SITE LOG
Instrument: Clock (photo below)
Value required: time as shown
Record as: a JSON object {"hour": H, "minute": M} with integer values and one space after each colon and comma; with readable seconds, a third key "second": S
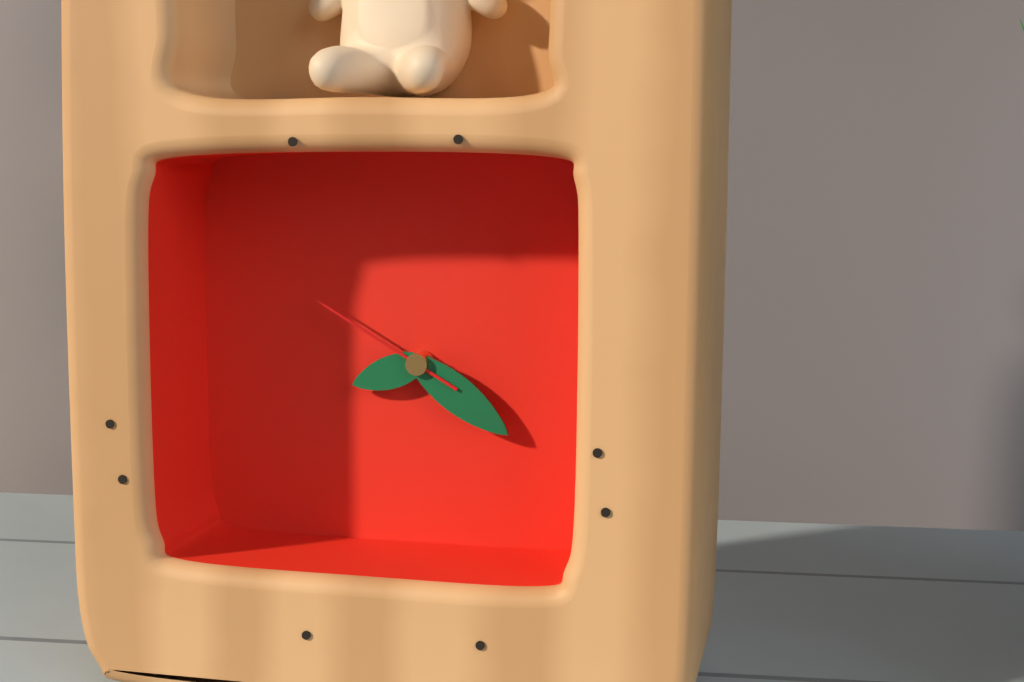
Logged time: {"hour": 8, "minute": 21, "second": 50}
